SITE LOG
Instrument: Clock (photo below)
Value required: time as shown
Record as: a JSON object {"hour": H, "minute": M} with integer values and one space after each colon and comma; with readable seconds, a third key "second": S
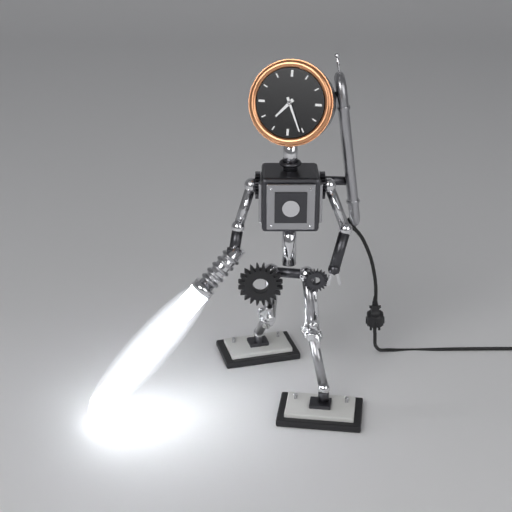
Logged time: {"hour": 7, "minute": 26}
